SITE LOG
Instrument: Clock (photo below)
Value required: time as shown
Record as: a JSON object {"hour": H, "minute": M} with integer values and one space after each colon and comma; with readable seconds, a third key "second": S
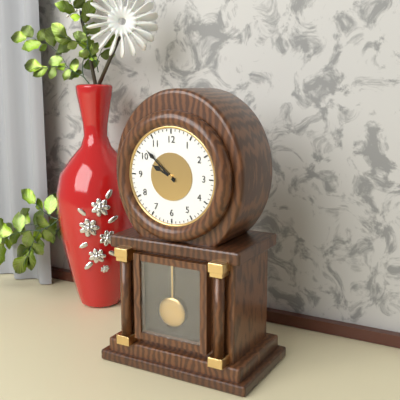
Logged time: {"hour": 9, "minute": 52}
